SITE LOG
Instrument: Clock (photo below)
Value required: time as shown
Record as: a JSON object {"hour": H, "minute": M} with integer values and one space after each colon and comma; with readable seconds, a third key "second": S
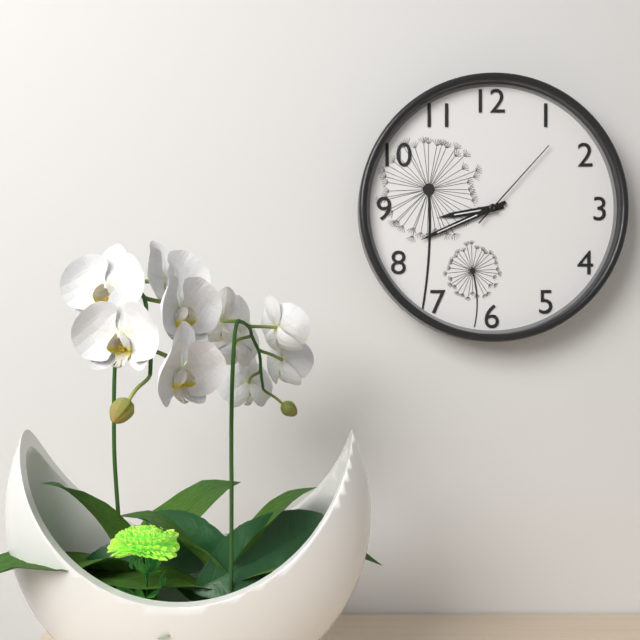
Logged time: {"hour": 8, "minute": 41, "second": 7}
